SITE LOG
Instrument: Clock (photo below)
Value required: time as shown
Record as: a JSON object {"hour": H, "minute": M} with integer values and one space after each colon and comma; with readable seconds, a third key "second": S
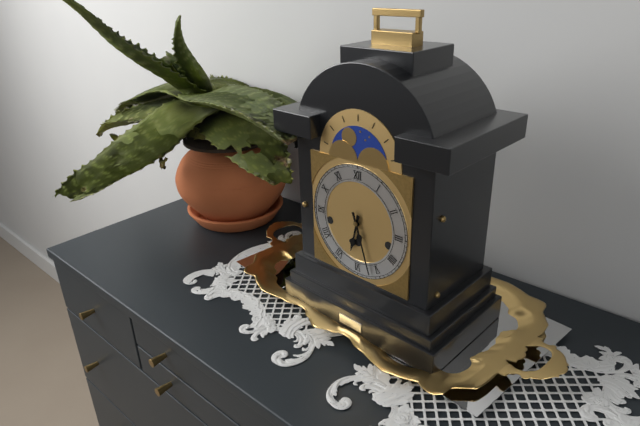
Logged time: {"hour": 6, "minute": 27}
